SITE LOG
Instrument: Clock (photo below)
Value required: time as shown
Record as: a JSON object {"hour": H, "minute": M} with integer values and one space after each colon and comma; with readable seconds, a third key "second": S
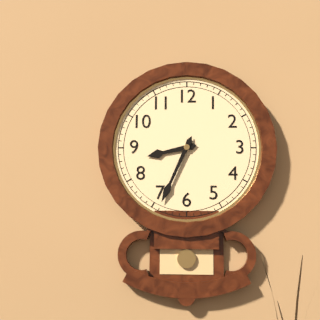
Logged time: {"hour": 8, "minute": 34}
